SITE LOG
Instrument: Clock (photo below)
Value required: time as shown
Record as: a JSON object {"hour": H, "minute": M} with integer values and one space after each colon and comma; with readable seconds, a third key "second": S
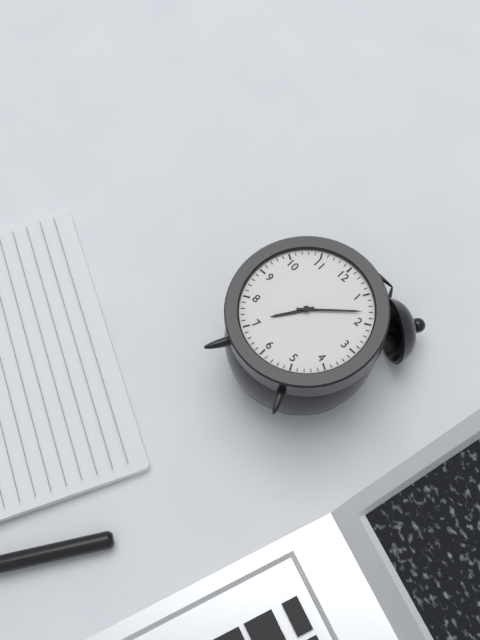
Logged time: {"hour": 7, "minute": 8}
